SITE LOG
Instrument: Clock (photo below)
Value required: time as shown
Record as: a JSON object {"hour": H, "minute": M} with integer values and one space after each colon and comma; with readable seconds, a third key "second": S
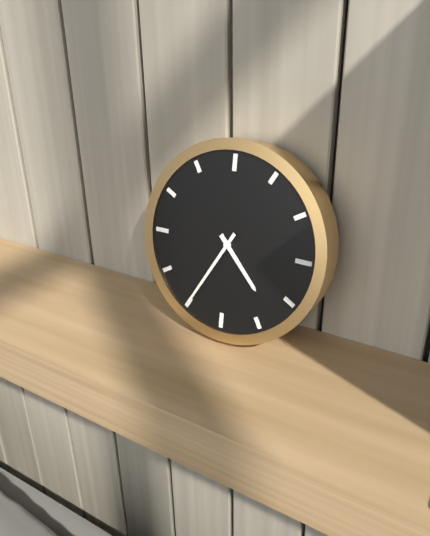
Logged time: {"hour": 4, "minute": 35}
